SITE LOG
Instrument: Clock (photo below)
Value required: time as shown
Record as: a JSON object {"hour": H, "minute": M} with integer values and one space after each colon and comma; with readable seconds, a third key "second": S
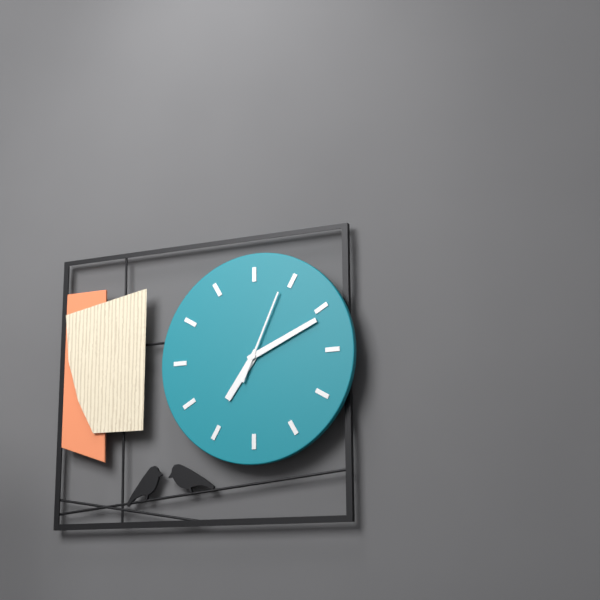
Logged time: {"hour": 7, "minute": 11, "second": 4}
